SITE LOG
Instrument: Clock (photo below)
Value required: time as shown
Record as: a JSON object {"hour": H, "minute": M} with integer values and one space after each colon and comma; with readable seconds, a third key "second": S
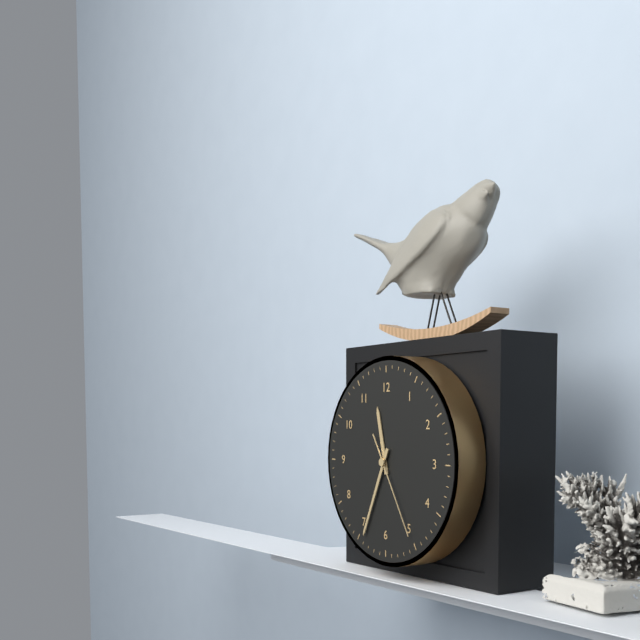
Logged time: {"hour": 11, "minute": 34, "second": 25}
